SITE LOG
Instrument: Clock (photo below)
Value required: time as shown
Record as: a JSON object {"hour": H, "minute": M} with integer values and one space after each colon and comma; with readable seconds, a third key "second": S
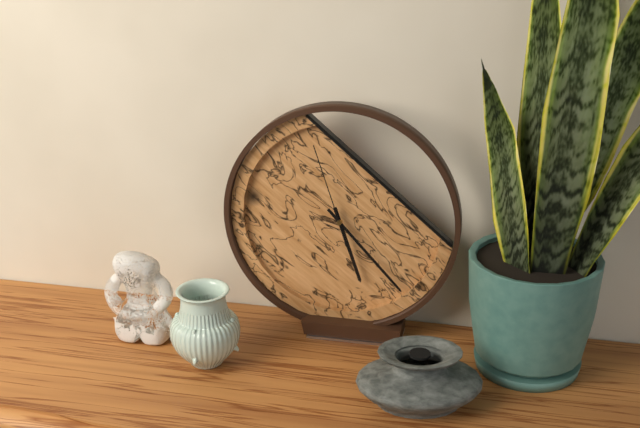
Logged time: {"hour": 5, "minute": 23, "second": 57}
